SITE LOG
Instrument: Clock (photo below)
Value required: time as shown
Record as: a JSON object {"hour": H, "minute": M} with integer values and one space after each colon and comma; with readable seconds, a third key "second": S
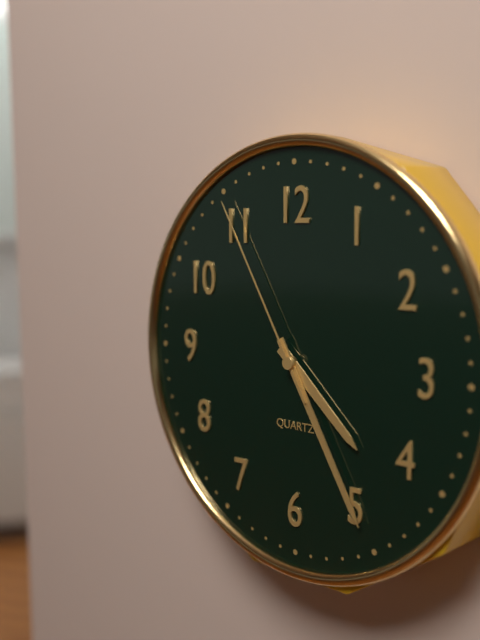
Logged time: {"hour": 4, "minute": 25, "second": 55}
